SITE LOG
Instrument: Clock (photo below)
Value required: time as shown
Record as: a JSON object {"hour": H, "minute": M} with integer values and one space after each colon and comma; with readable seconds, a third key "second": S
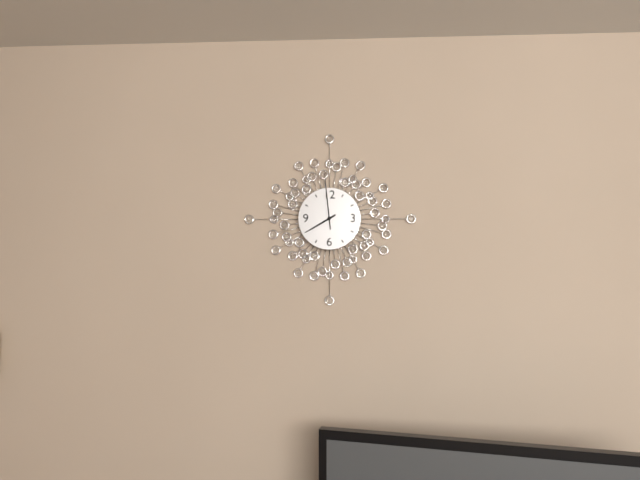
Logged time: {"hour": 7, "minute": 59}
